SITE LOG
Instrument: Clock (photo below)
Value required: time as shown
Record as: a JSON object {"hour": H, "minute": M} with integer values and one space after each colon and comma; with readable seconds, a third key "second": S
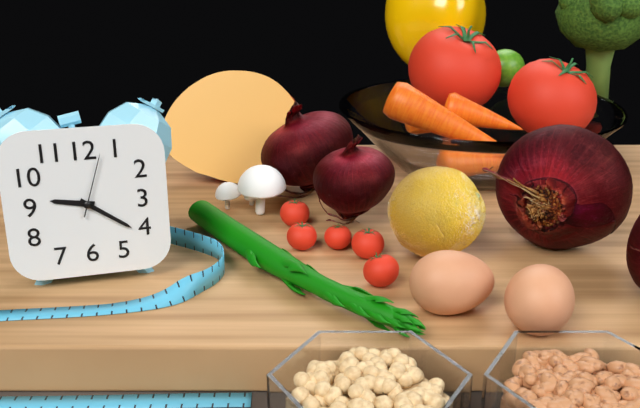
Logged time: {"hour": 9, "minute": 21, "second": 3}
